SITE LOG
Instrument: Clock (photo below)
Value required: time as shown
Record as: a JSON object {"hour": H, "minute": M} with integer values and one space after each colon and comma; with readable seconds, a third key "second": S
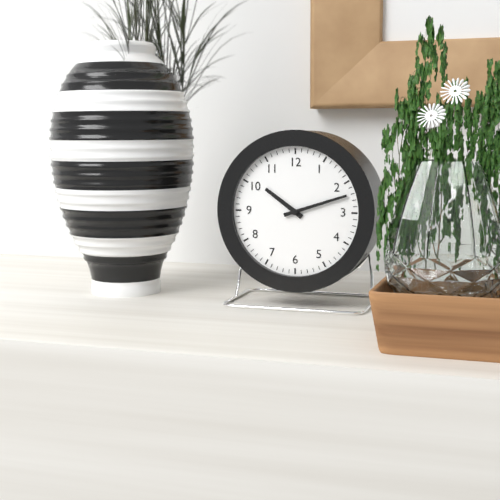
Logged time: {"hour": 10, "minute": 12}
